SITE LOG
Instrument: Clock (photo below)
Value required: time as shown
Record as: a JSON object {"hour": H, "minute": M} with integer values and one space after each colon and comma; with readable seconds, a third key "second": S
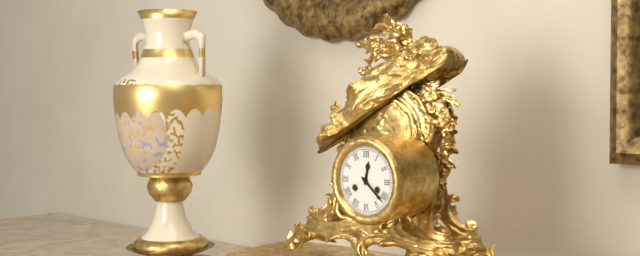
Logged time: {"hour": 12, "minute": 22}
